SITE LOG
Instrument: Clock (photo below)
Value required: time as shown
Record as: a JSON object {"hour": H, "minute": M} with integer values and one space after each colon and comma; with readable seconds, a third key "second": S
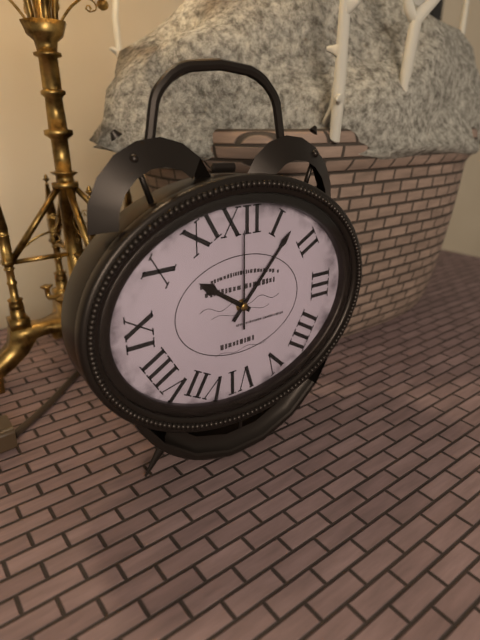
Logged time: {"hour": 10, "minute": 7, "second": 0}
